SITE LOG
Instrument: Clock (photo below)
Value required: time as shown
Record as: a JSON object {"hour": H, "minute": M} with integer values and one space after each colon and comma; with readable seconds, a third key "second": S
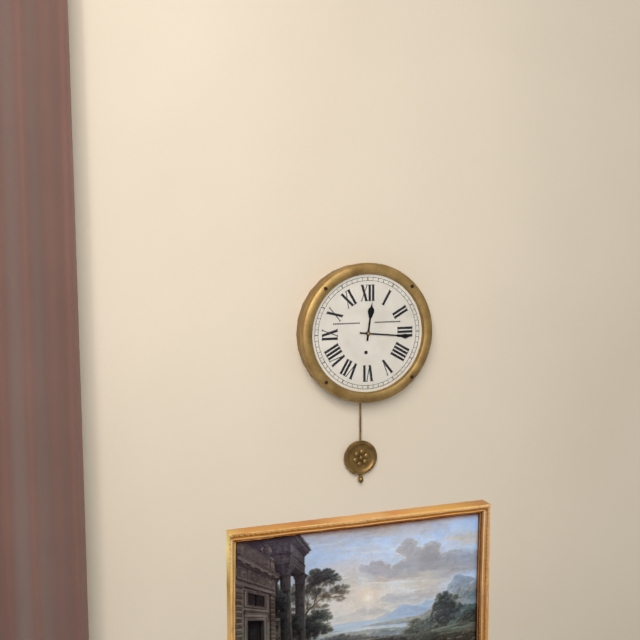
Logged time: {"hour": 12, "minute": 16}
